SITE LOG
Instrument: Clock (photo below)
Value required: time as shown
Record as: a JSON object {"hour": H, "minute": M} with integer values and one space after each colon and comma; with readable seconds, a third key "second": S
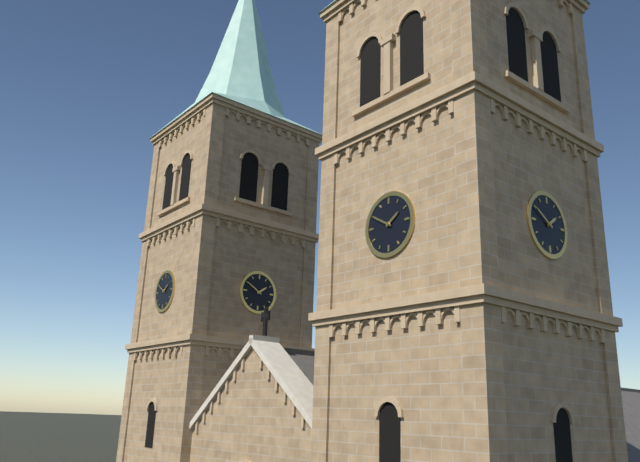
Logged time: {"hour": 1, "minute": 50}
